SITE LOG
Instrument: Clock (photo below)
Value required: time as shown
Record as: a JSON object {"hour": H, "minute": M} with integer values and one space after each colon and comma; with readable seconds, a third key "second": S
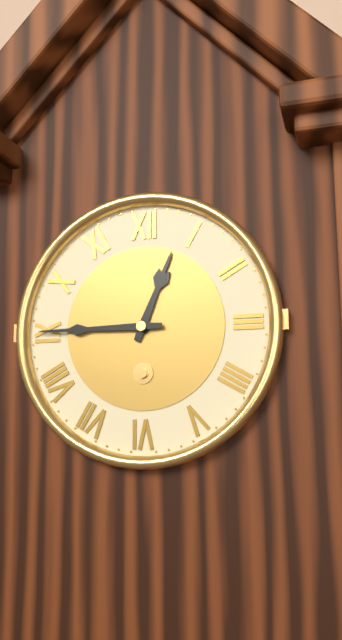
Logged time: {"hour": 12, "minute": 45}
